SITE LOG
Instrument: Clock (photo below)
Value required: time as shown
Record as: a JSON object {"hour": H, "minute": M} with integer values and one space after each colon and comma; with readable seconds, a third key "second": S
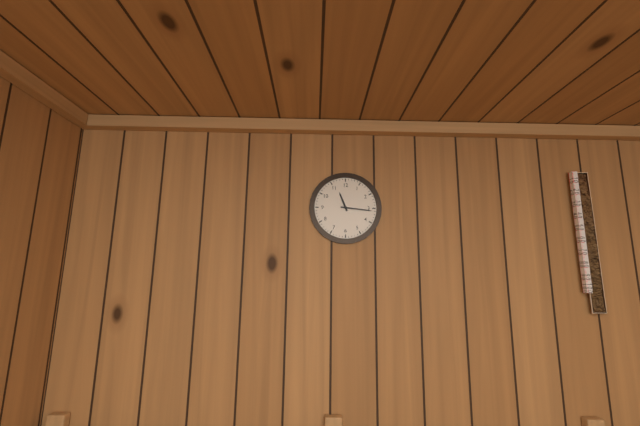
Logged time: {"hour": 11, "minute": 16}
